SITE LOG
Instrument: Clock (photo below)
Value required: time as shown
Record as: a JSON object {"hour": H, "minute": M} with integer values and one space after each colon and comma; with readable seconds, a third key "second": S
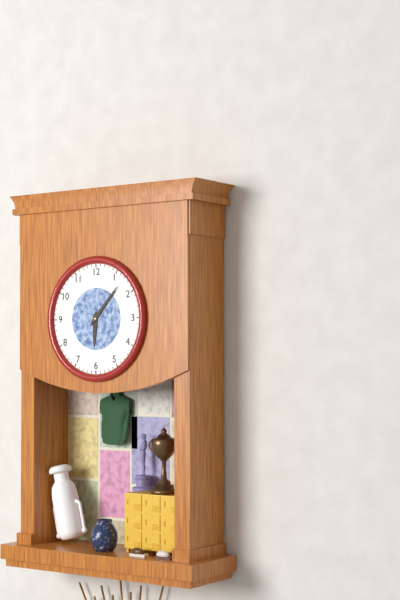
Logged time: {"hour": 6, "minute": 7}
